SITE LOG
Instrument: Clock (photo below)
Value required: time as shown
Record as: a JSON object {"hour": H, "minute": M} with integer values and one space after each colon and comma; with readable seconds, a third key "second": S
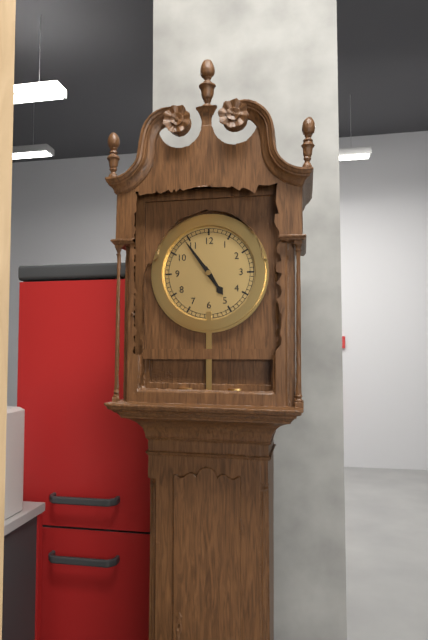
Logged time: {"hour": 4, "minute": 54}
